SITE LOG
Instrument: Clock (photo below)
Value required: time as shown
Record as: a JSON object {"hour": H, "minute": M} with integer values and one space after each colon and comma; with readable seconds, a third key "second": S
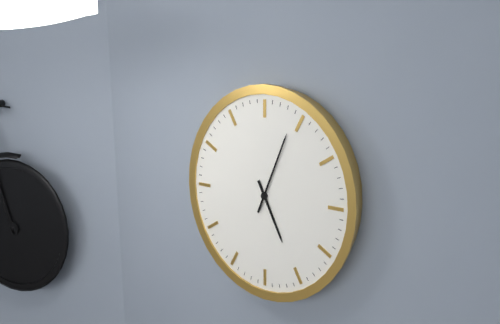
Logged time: {"hour": 5, "minute": 4}
